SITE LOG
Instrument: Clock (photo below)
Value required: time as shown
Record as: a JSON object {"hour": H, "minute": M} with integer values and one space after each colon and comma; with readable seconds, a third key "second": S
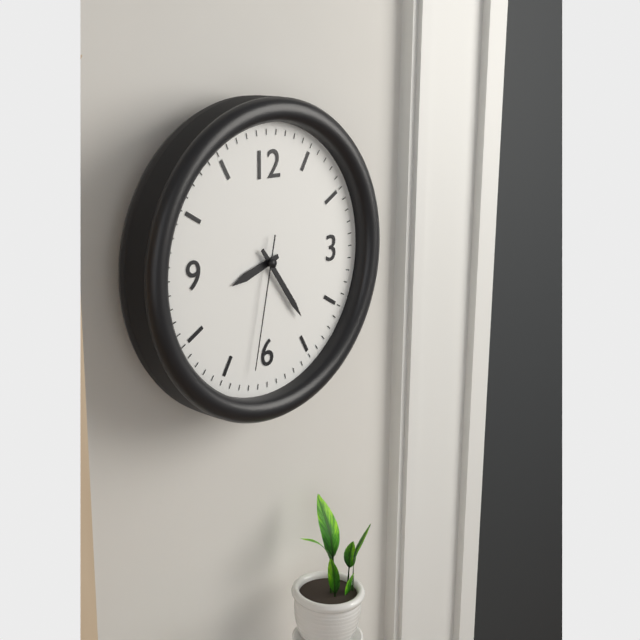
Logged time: {"hour": 8, "minute": 24, "second": 32}
